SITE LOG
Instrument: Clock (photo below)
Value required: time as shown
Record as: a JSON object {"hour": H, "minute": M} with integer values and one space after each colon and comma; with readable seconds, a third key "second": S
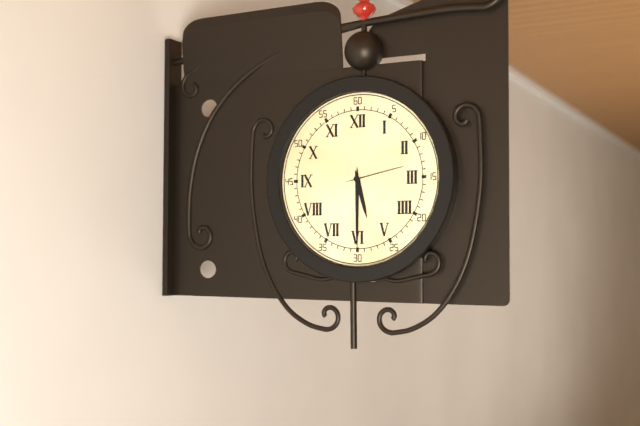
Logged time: {"hour": 5, "minute": 30, "second": 13}
